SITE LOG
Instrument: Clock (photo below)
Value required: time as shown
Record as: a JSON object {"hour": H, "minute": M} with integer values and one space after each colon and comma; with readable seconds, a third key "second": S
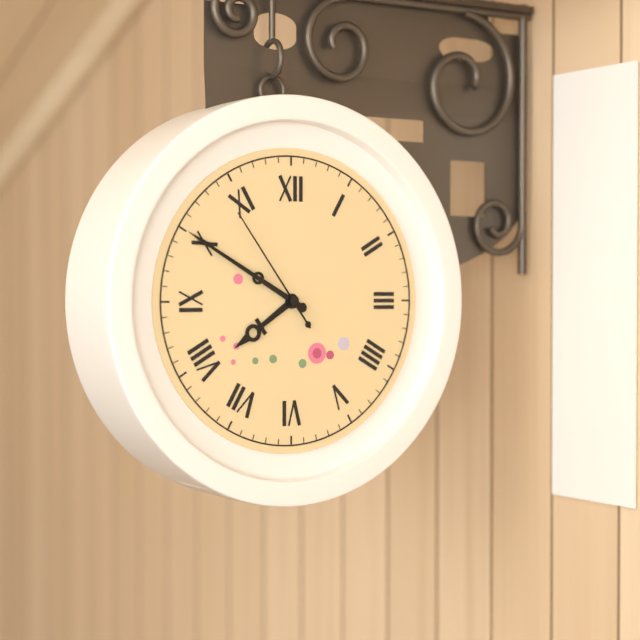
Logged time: {"hour": 7, "minute": 50, "second": 54}
